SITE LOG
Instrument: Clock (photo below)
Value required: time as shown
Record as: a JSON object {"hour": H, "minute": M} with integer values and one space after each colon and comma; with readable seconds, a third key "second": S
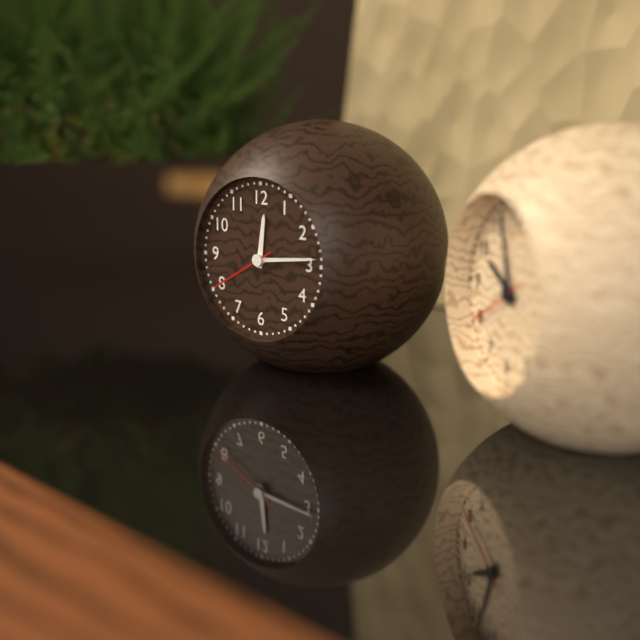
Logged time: {"hour": 12, "minute": 14, "second": 40}
